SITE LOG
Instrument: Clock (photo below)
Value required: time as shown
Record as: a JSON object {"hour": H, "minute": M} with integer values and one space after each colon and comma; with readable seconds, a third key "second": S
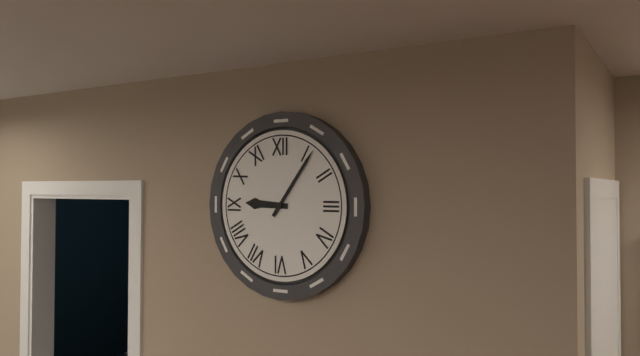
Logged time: {"hour": 9, "minute": 6}
